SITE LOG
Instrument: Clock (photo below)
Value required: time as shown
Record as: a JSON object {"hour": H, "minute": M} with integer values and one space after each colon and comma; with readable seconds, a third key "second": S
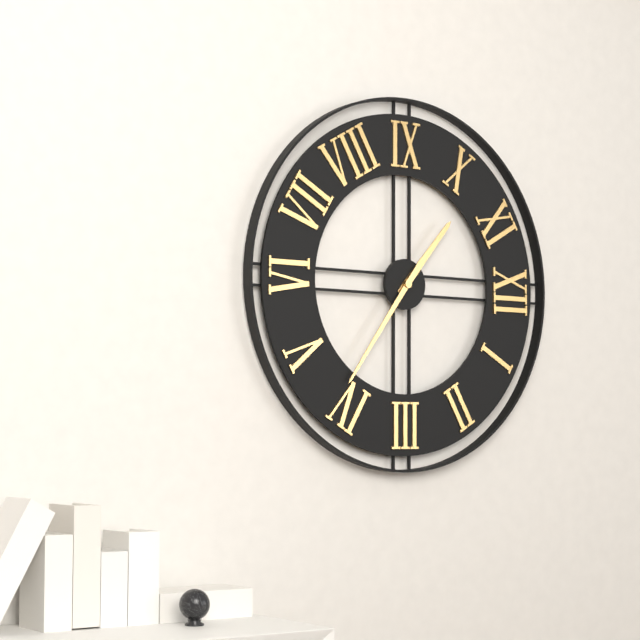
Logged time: {"hour": 10, "minute": 21}
